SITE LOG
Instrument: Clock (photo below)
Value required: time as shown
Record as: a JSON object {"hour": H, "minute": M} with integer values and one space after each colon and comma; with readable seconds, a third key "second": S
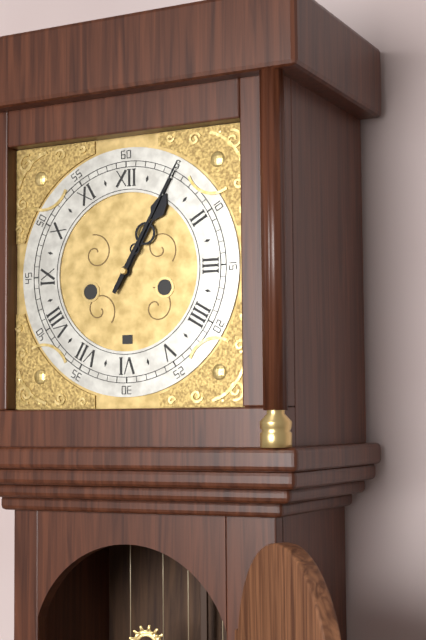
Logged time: {"hour": 1, "minute": 5}
